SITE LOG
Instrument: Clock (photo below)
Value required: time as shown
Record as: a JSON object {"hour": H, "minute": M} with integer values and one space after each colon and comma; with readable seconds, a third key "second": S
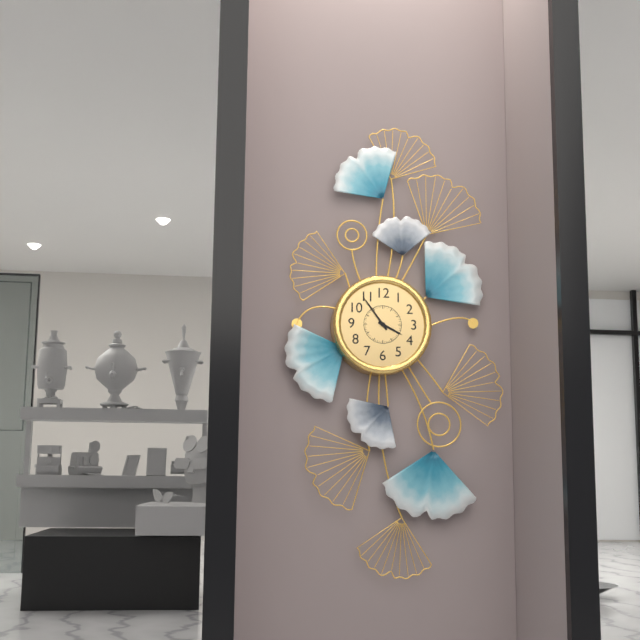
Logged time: {"hour": 3, "minute": 54}
